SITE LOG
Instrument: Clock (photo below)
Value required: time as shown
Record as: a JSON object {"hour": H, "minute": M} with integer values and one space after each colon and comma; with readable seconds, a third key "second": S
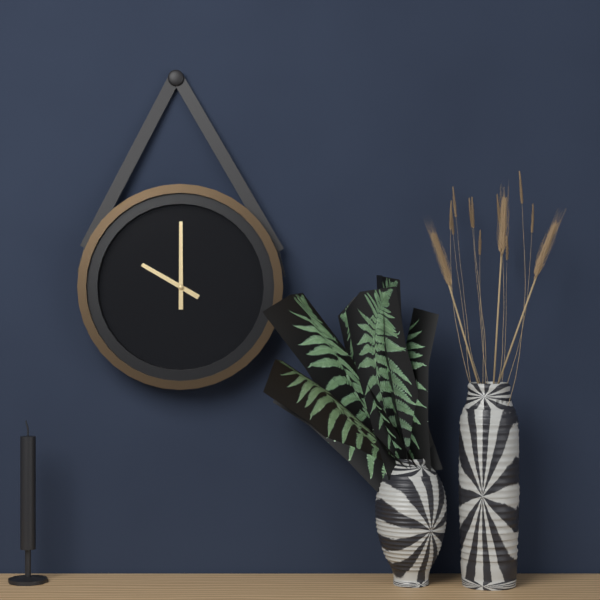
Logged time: {"hour": 10, "minute": 0}
